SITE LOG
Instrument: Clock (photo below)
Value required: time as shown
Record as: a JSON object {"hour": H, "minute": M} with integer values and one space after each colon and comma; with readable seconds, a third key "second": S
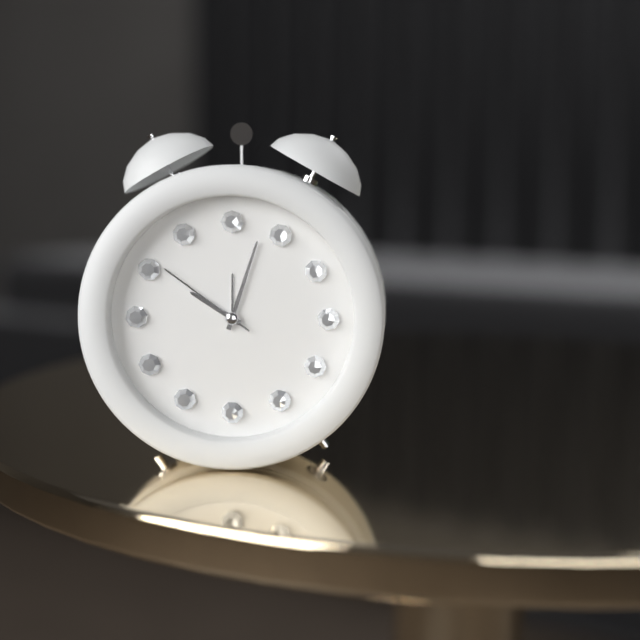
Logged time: {"hour": 10, "minute": 3, "second": 51}
